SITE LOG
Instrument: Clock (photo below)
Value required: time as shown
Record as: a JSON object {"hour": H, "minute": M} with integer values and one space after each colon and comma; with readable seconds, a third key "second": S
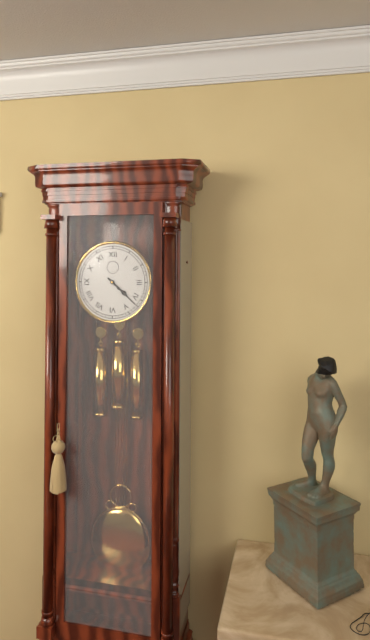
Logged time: {"hour": 4, "minute": 22}
